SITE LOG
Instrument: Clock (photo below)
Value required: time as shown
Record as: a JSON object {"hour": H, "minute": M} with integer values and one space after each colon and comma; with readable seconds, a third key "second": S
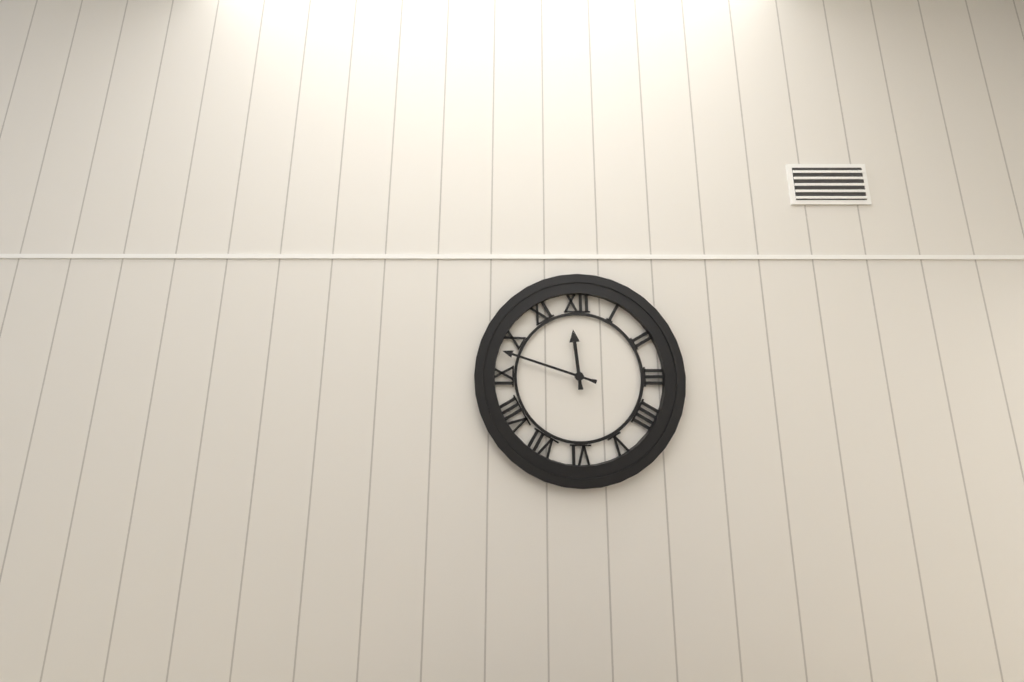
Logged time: {"hour": 11, "minute": 48}
